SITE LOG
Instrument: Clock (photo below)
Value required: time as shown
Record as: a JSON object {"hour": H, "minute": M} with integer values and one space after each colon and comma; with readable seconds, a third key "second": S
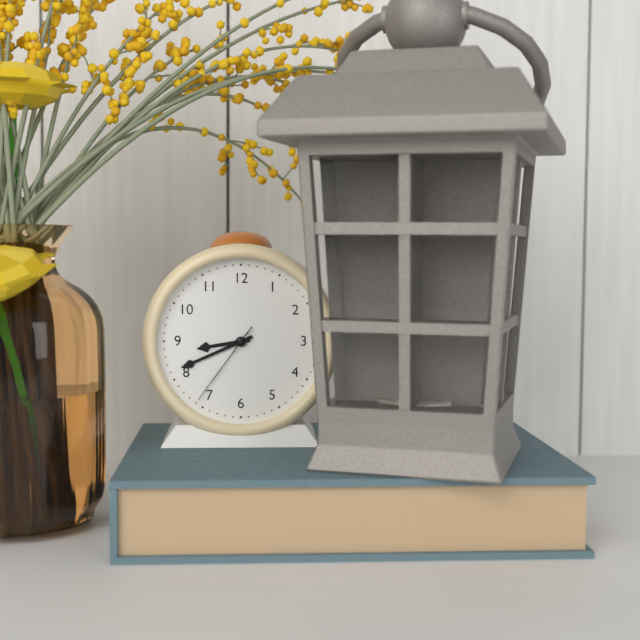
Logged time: {"hour": 8, "minute": 41, "second": 36}
